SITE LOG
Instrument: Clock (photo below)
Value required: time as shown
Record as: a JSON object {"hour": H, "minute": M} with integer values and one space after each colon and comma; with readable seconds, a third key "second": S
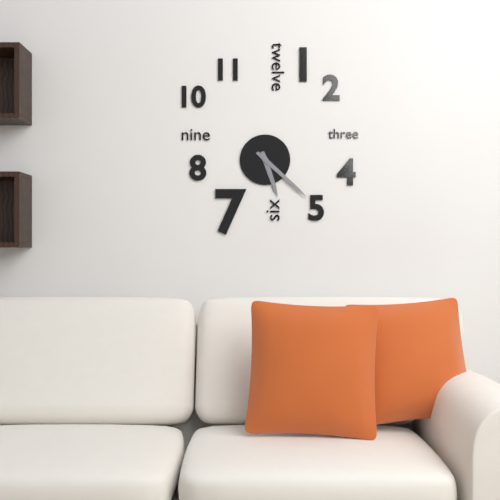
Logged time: {"hour": 5, "minute": 22}
